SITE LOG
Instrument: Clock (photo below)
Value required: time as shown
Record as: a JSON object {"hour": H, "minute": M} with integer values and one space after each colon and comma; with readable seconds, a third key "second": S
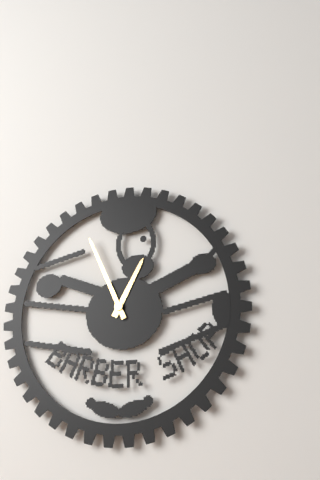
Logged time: {"hour": 12, "minute": 56}
